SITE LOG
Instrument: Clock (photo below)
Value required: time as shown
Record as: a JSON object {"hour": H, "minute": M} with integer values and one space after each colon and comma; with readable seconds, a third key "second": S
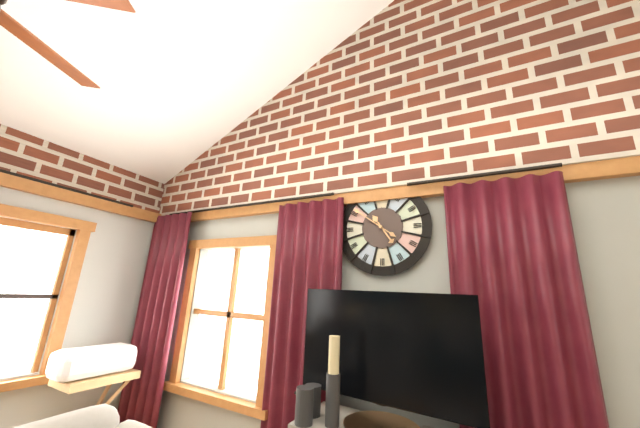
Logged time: {"hour": 4, "minute": 51}
